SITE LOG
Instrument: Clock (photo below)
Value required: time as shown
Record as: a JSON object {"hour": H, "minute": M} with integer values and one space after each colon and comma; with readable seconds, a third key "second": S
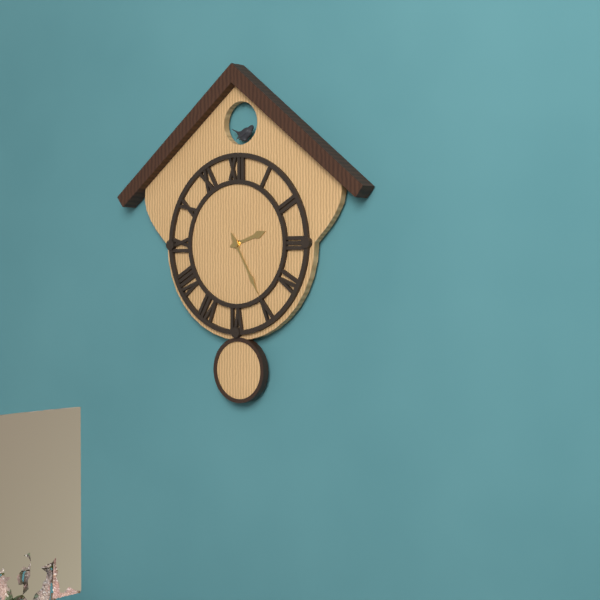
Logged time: {"hour": 2, "minute": 25}
